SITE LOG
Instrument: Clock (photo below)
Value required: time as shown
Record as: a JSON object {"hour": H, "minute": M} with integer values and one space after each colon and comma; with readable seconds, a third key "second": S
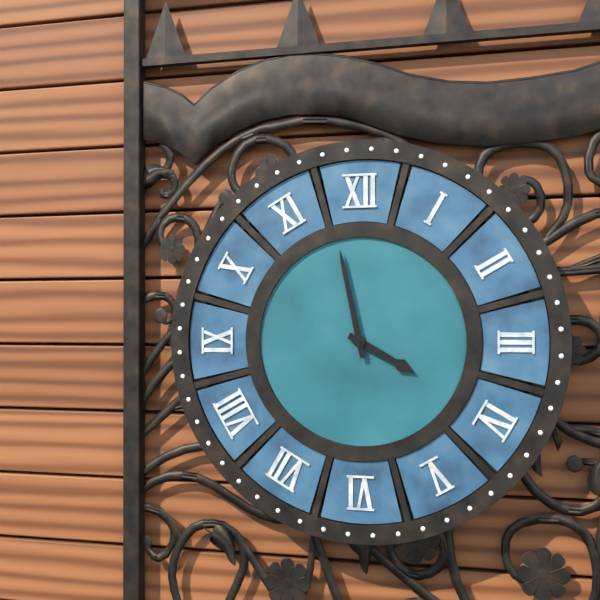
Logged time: {"hour": 3, "minute": 58}
